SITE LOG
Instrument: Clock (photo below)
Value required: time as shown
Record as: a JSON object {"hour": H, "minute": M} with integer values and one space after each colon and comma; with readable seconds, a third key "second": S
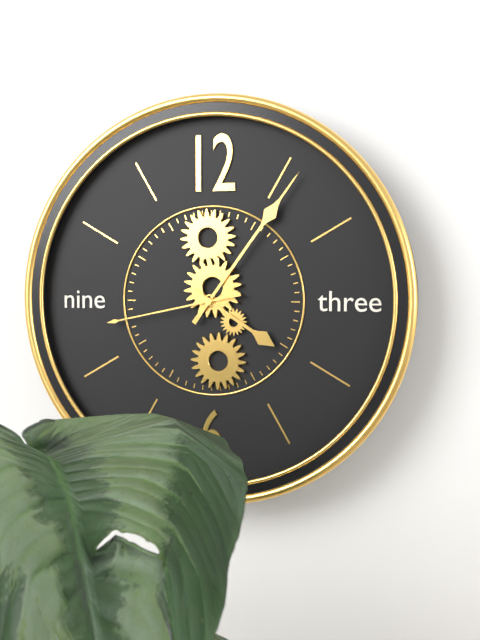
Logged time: {"hour": 4, "minute": 6, "second": 43}
